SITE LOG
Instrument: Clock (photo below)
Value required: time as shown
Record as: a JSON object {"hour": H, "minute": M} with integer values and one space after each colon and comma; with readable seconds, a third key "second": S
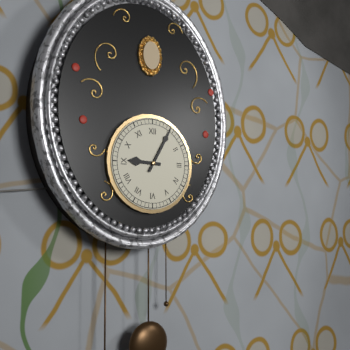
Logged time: {"hour": 9, "minute": 5}
